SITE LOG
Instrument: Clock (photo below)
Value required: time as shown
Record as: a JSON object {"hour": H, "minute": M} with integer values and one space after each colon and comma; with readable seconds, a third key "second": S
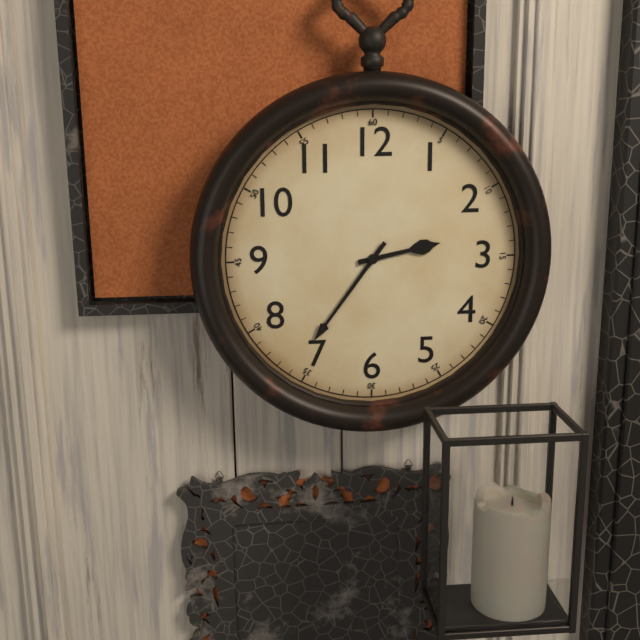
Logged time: {"hour": 2, "minute": 36}
